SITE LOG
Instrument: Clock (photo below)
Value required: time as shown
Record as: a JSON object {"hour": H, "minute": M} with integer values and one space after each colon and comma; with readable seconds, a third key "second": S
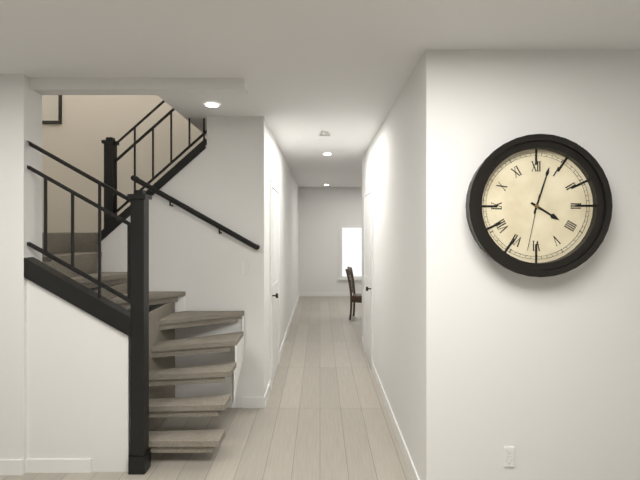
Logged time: {"hour": 4, "minute": 3, "second": 32}
